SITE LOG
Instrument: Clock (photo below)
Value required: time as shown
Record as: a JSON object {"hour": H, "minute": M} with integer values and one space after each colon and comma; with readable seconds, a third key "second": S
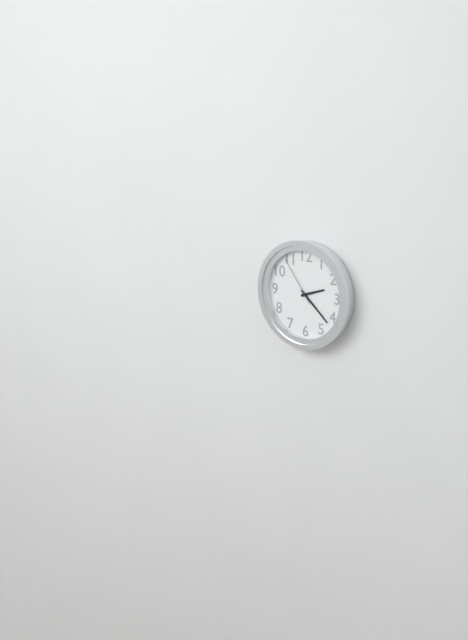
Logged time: {"hour": 2, "minute": 22, "second": 54}
